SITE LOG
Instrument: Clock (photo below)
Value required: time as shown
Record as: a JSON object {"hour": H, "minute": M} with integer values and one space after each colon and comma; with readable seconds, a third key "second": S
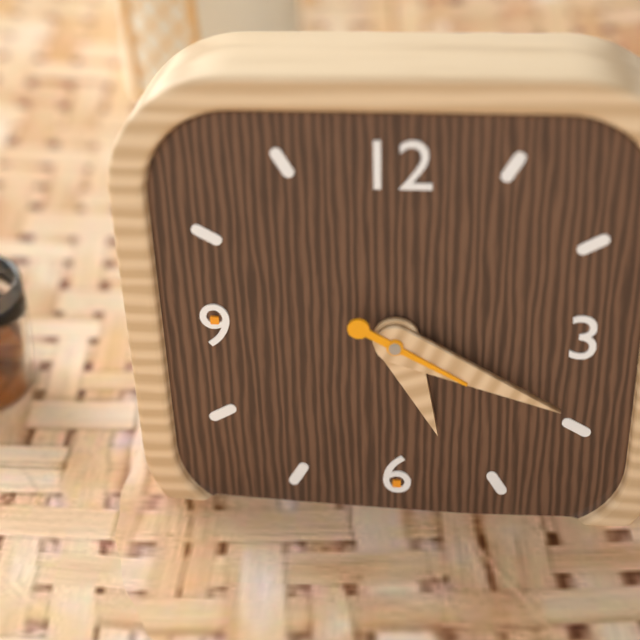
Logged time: {"hour": 5, "minute": 19, "second": 20}
